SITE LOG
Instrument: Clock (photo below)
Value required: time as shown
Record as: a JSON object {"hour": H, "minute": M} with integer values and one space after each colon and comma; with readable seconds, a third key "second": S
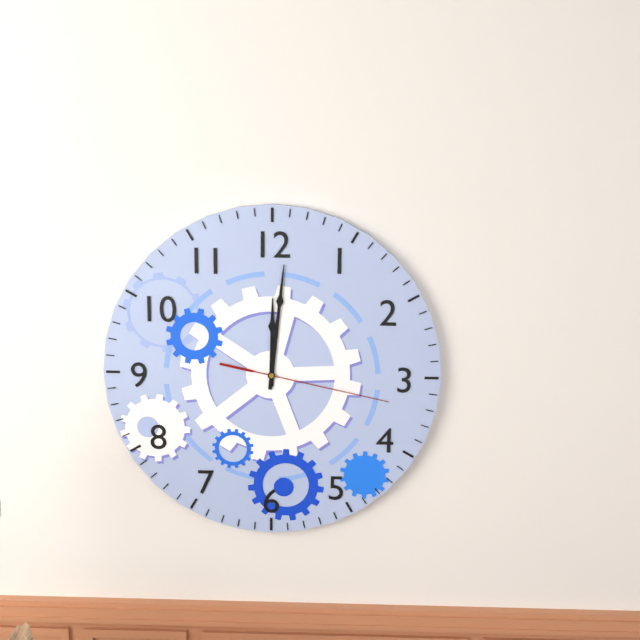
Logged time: {"hour": 12, "minute": 1, "second": 17}
